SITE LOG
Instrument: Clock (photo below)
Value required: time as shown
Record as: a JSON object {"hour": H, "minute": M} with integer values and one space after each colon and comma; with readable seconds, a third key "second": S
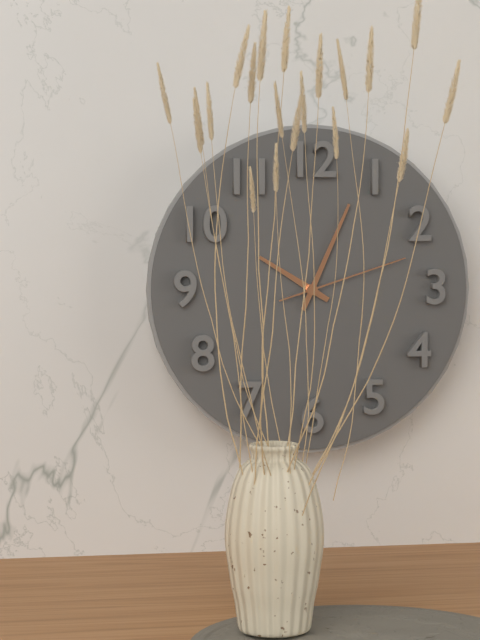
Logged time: {"hour": 10, "minute": 4, "second": 12}
